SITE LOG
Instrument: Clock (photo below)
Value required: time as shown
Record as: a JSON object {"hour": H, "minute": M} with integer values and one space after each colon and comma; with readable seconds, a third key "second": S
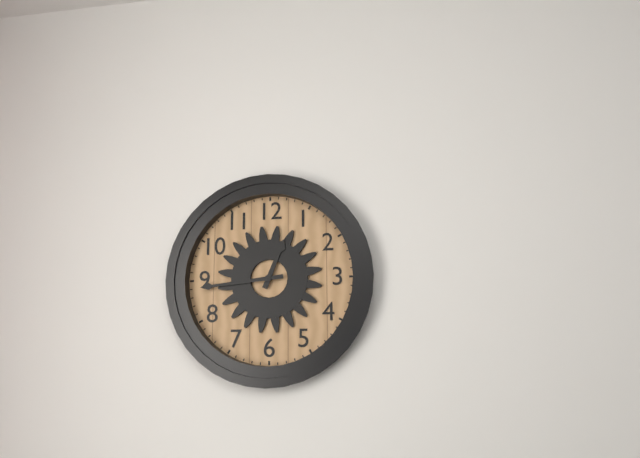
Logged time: {"hour": 12, "minute": 44}
